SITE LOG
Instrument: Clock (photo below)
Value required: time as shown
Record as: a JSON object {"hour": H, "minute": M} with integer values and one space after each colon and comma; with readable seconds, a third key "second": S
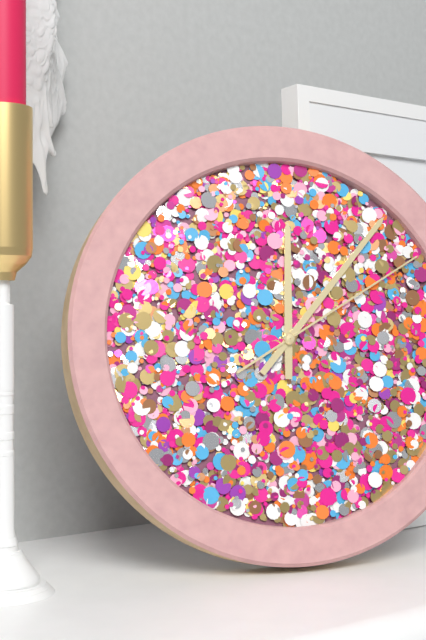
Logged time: {"hour": 12, "minute": 7, "second": 10}
